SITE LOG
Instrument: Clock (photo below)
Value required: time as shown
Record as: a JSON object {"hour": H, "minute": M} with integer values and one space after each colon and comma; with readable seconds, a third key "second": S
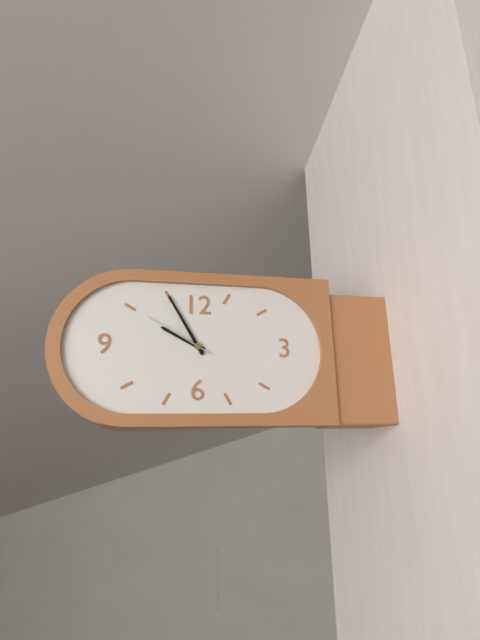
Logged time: {"hour": 9, "minute": 55, "second": 50}
